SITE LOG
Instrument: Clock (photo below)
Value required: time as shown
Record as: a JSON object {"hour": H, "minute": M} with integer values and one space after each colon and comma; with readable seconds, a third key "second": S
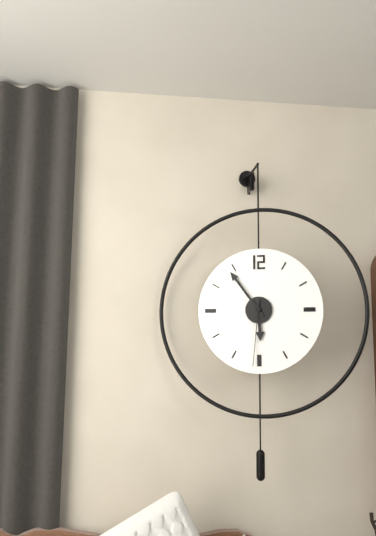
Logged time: {"hour": 5, "minute": 54, "second": 31}
